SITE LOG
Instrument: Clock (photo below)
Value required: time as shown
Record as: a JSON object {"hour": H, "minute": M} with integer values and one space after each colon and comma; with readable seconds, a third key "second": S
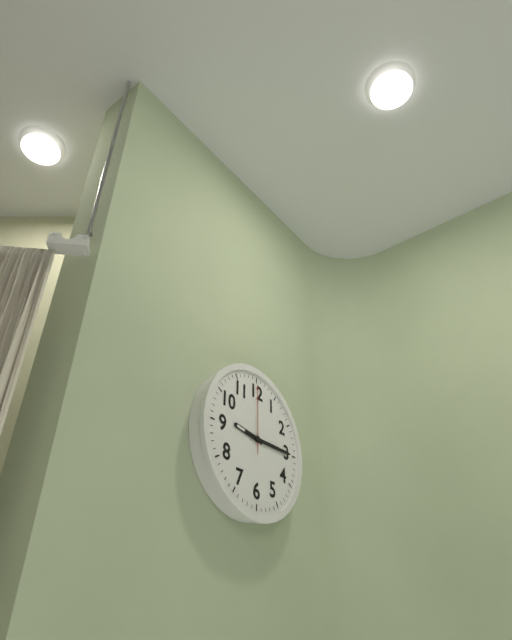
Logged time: {"hour": 9, "minute": 15, "second": 0}
